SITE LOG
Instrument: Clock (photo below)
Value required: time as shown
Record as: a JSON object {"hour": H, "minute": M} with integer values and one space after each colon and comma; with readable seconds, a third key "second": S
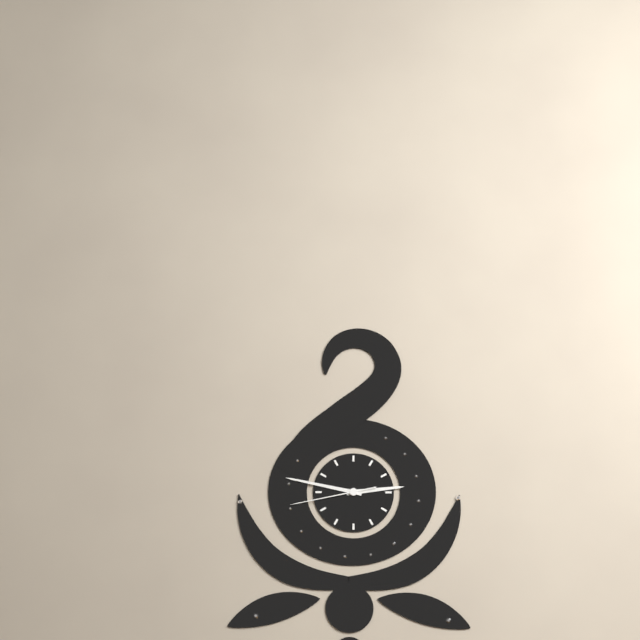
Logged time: {"hour": 2, "minute": 47, "second": 43}
